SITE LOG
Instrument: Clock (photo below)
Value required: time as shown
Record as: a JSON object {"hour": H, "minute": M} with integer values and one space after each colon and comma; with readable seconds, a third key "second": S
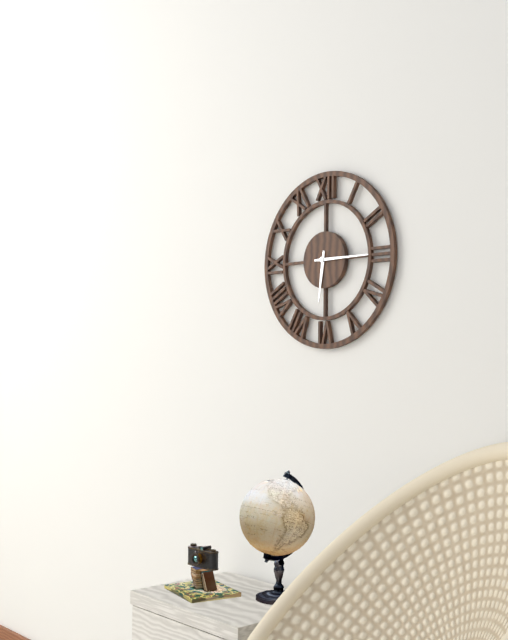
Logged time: {"hour": 6, "minute": 15}
